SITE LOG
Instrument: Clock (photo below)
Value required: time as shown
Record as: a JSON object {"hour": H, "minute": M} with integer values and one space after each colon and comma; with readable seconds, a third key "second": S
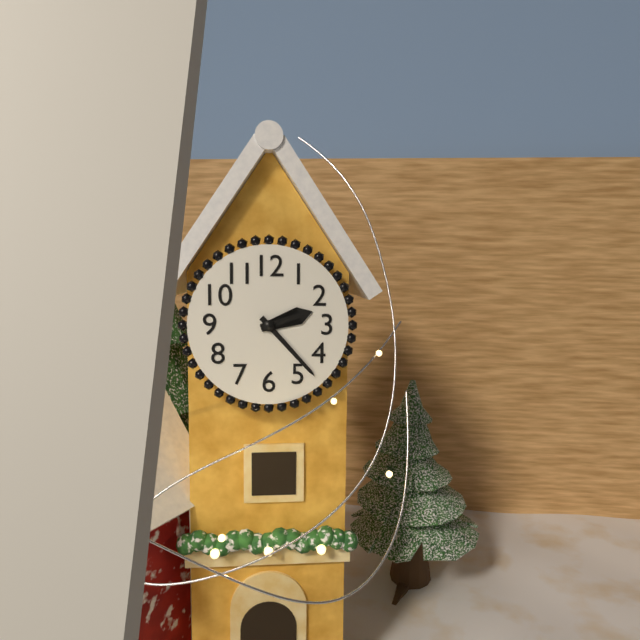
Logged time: {"hour": 2, "minute": 23}
